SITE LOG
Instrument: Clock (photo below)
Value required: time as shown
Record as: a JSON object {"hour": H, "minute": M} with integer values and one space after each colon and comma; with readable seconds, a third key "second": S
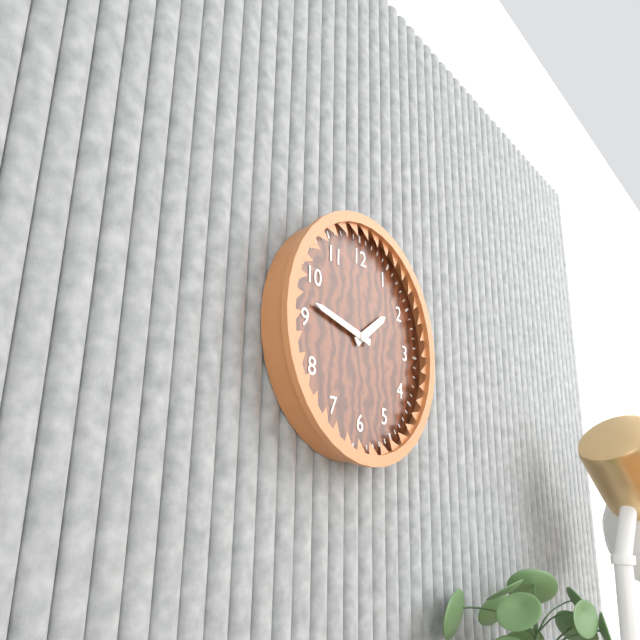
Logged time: {"hour": 1, "minute": 47}
